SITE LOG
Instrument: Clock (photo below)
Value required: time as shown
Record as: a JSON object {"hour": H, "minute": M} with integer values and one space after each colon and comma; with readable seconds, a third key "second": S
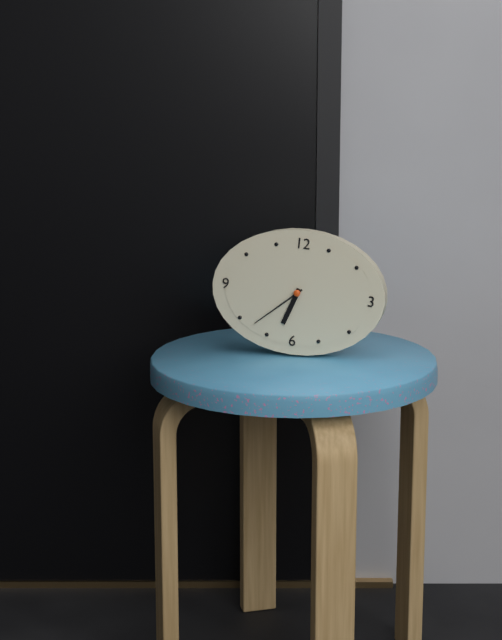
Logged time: {"hour": 6, "minute": 38}
